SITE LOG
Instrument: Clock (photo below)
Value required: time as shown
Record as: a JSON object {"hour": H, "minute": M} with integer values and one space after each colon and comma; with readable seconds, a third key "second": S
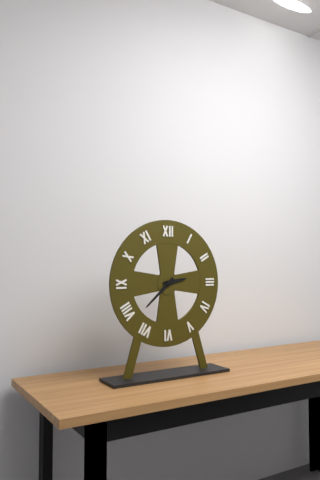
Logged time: {"hour": 2, "minute": 38}
